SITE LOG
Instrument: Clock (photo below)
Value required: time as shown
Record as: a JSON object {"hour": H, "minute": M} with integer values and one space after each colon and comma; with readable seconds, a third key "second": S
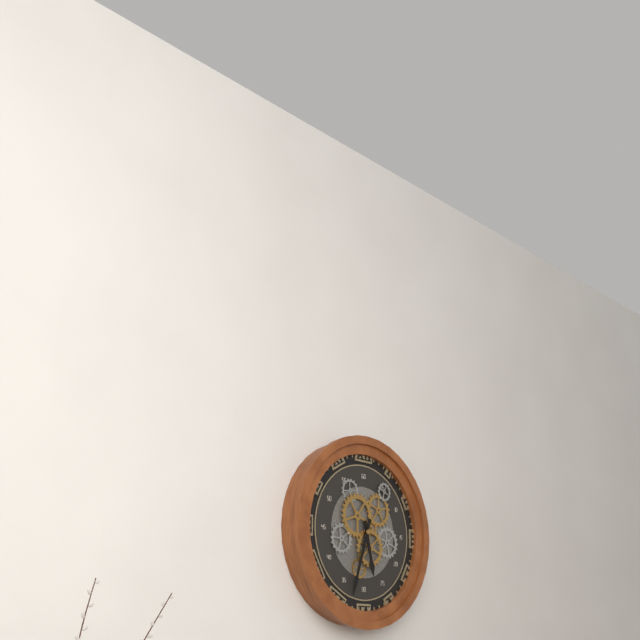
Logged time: {"hour": 5, "minute": 33}
